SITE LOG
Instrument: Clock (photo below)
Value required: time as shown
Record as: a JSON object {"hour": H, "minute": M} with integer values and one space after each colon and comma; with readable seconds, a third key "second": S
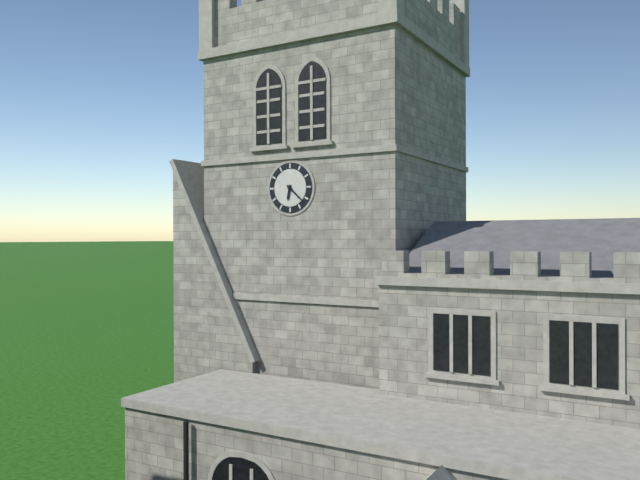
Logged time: {"hour": 6, "minute": 22}
